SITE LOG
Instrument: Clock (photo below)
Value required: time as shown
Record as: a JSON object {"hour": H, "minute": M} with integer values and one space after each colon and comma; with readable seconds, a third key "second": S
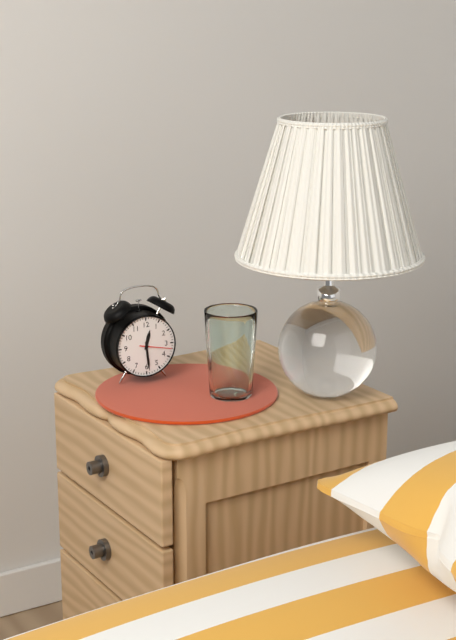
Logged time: {"hour": 12, "minute": 29}
